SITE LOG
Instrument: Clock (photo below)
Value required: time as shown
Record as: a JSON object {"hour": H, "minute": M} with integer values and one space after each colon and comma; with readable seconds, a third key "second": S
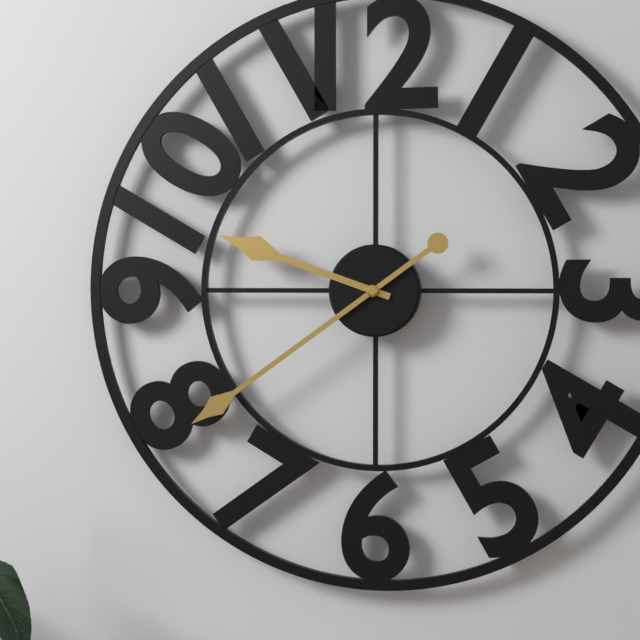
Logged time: {"hour": 9, "minute": 39}
